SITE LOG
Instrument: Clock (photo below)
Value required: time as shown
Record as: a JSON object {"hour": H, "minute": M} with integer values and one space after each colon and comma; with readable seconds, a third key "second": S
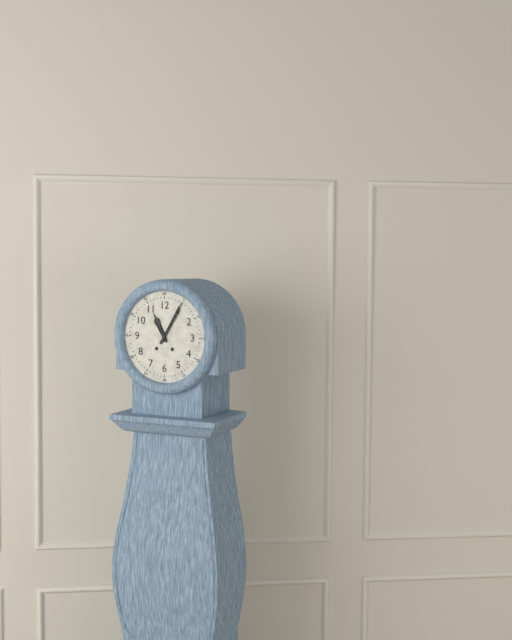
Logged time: {"hour": 11, "minute": 5}
